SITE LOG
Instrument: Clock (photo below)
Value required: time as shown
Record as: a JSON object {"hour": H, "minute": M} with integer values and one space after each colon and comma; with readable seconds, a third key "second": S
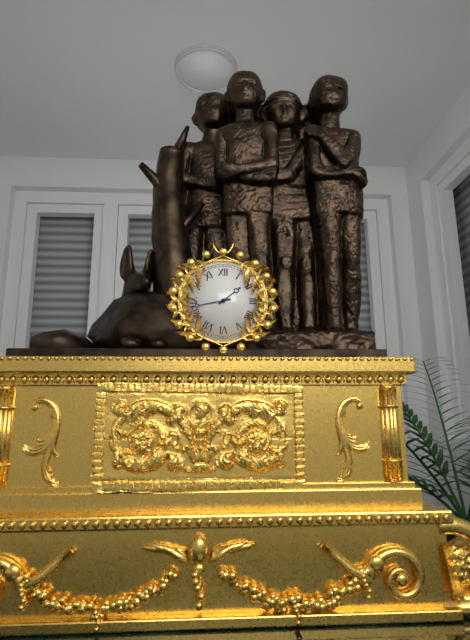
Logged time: {"hour": 1, "minute": 43}
